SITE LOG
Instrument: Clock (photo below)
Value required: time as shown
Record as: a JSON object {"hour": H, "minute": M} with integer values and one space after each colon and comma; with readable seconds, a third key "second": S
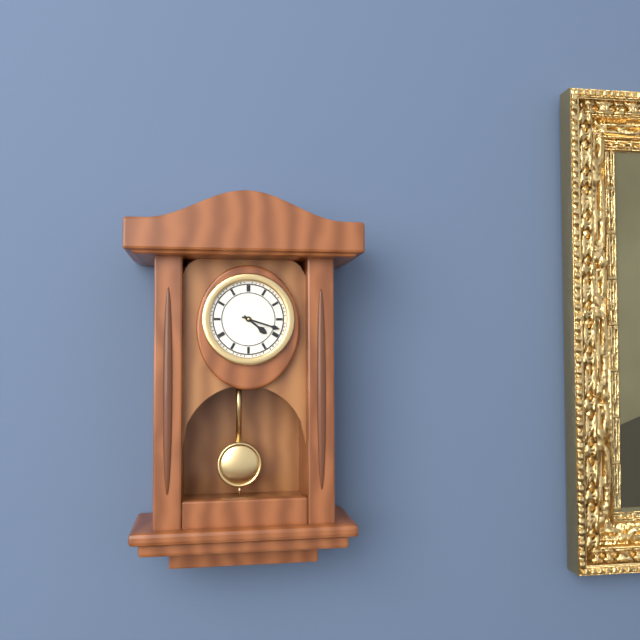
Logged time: {"hour": 4, "minute": 18}
